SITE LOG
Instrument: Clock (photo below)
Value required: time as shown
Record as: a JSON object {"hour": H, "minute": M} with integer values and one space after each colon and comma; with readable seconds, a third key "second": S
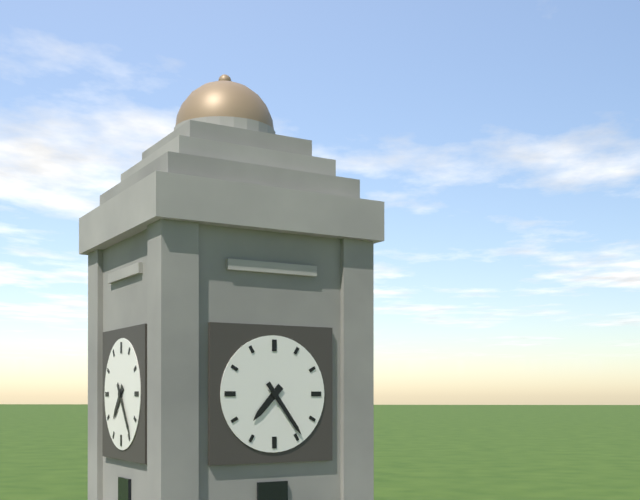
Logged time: {"hour": 7, "minute": 24}
